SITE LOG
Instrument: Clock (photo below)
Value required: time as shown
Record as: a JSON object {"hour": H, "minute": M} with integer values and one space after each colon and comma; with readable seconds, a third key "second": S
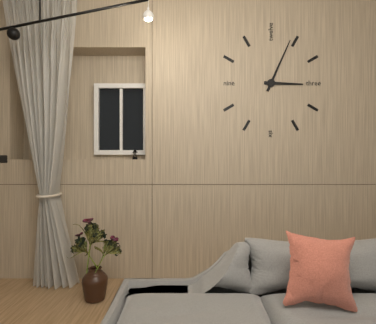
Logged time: {"hour": 3, "minute": 4}
